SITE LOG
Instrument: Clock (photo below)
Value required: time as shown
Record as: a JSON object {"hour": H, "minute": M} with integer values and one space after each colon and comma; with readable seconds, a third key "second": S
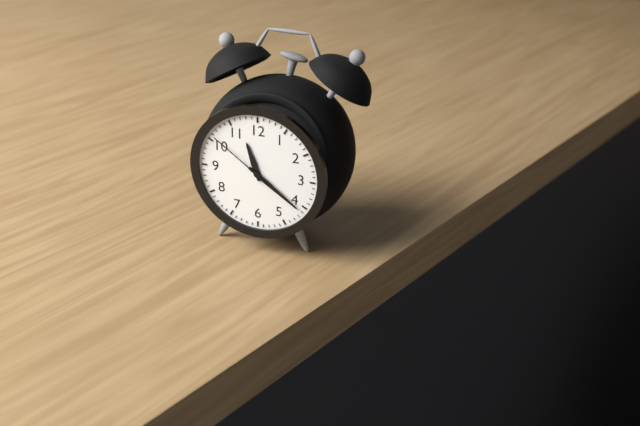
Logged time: {"hour": 11, "minute": 21, "second": 51}
